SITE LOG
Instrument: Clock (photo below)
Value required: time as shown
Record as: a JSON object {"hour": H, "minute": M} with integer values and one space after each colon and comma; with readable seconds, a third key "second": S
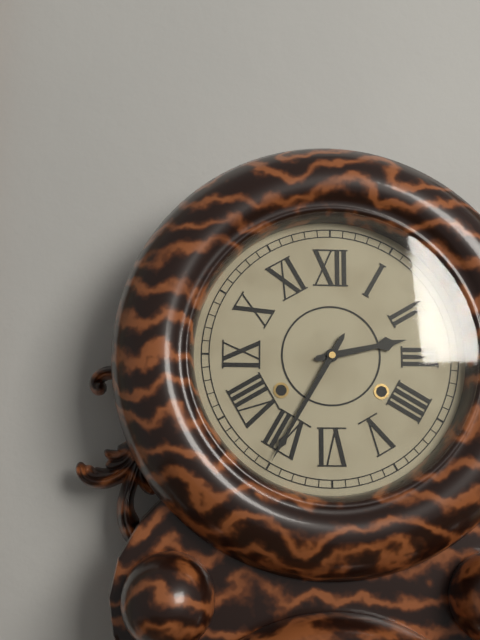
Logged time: {"hour": 2, "minute": 35}
